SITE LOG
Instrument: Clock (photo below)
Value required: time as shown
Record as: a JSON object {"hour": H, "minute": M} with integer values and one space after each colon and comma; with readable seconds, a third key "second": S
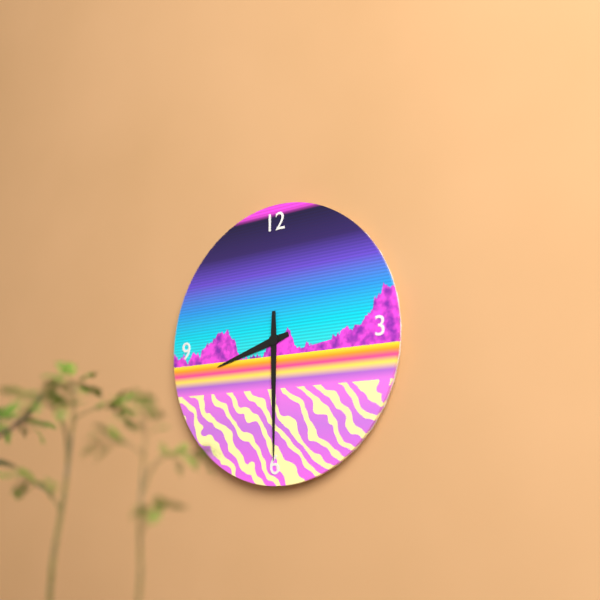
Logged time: {"hour": 8, "minute": 30}
